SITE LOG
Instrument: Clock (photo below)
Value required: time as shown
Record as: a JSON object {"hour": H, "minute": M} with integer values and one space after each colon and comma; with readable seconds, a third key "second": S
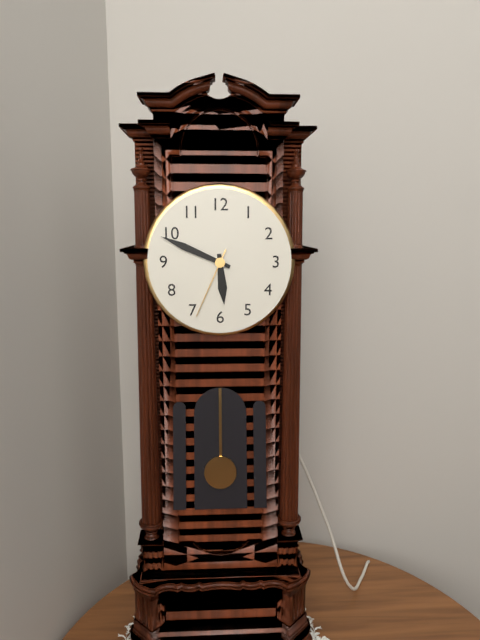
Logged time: {"hour": 5, "minute": 49, "second": 34}
